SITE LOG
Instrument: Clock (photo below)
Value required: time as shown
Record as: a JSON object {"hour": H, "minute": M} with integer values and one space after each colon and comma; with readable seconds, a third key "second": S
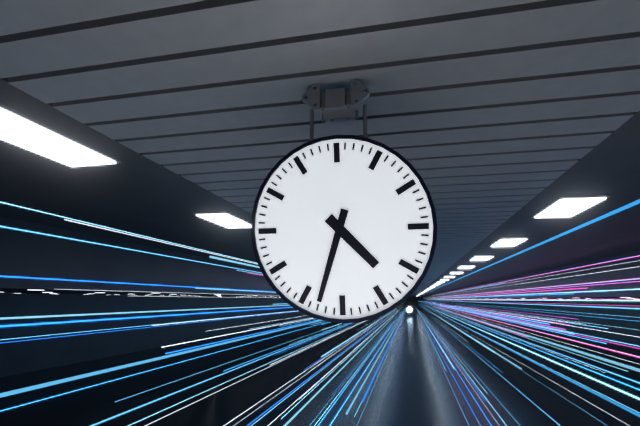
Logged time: {"hour": 4, "minute": 33}
